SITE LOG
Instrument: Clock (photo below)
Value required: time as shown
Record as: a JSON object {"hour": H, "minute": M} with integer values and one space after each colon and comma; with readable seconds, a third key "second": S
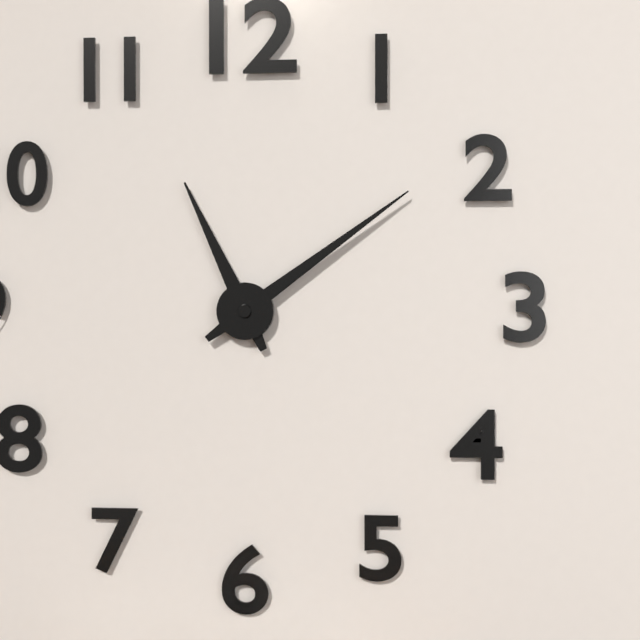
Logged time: {"hour": 11, "minute": 9}
